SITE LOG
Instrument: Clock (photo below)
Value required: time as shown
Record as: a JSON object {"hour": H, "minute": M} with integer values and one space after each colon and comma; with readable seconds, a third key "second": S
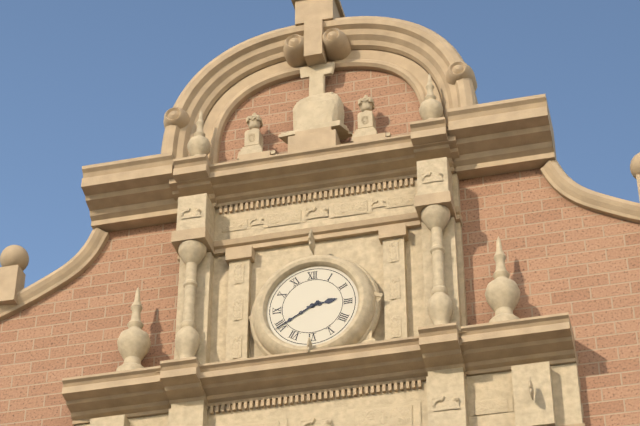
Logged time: {"hour": 2, "minute": 40}
